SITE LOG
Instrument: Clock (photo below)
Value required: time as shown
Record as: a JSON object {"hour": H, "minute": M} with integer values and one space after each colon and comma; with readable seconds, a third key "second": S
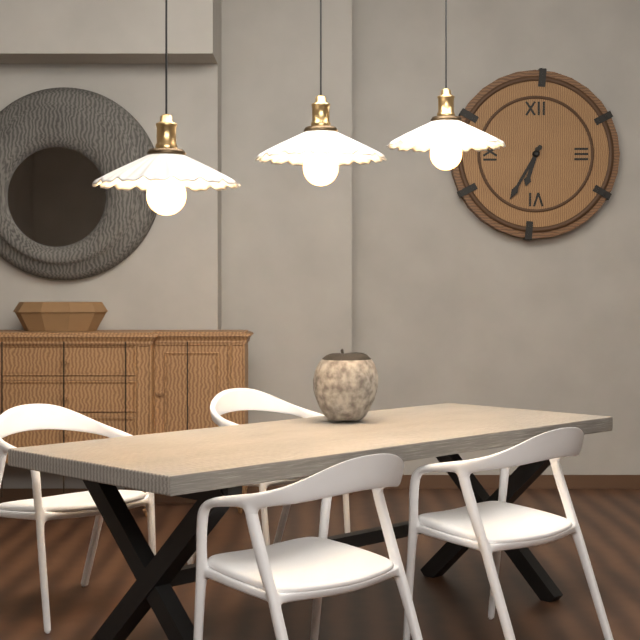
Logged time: {"hour": 6, "minute": 35}
